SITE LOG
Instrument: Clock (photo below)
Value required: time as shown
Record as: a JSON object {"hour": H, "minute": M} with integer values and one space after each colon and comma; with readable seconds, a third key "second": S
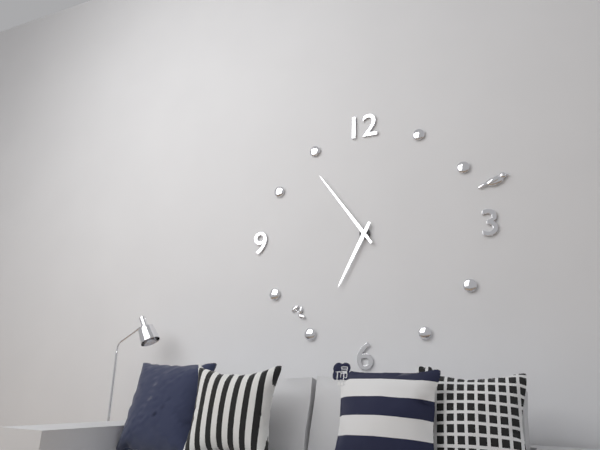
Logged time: {"hour": 6, "minute": 54}
